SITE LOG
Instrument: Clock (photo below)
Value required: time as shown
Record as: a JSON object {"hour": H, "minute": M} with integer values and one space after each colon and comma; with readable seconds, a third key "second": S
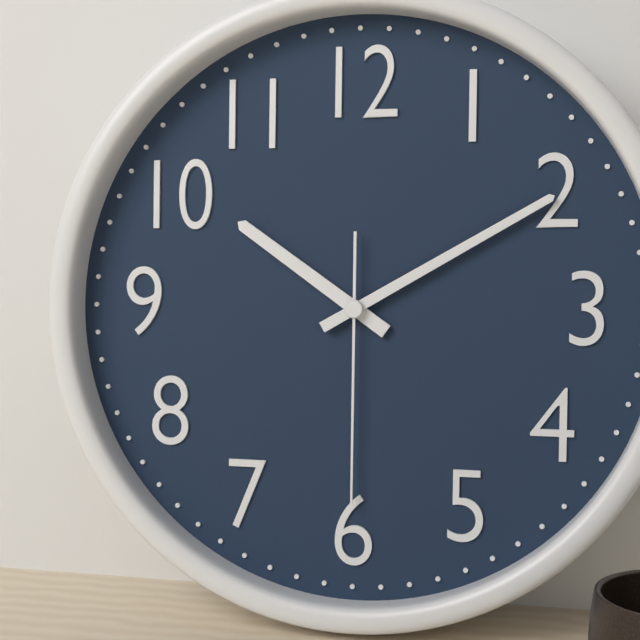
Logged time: {"hour": 10, "minute": 10, "second": 30}
